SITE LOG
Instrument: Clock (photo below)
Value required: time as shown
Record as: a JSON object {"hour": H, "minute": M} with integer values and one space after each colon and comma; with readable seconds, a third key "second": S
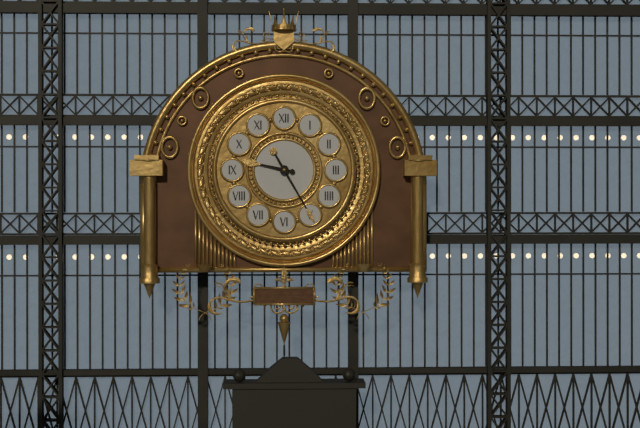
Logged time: {"hour": 9, "minute": 25}
